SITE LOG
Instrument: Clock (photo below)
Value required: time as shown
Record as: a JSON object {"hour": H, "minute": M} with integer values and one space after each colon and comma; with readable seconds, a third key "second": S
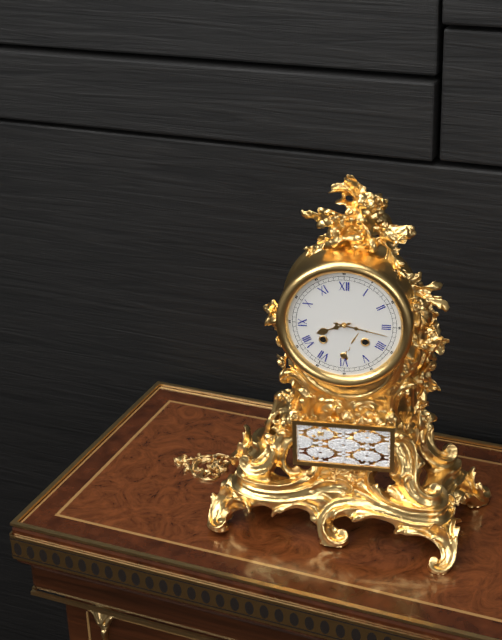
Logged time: {"hour": 8, "minute": 17}
